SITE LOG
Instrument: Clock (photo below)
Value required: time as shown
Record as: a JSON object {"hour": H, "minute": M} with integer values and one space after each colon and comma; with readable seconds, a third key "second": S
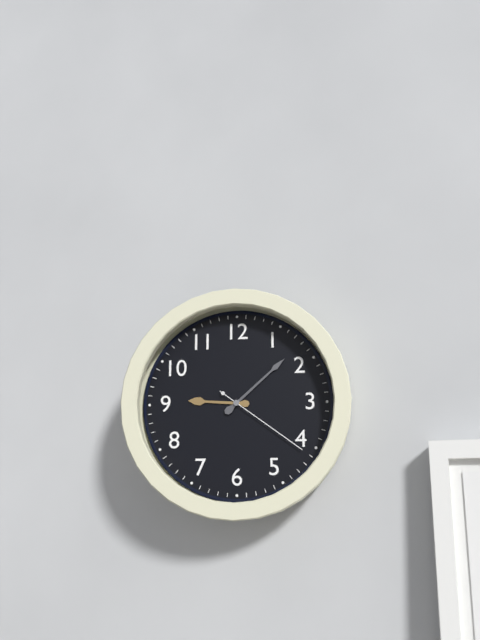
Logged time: {"hour": 9, "minute": 8, "second": 21}
